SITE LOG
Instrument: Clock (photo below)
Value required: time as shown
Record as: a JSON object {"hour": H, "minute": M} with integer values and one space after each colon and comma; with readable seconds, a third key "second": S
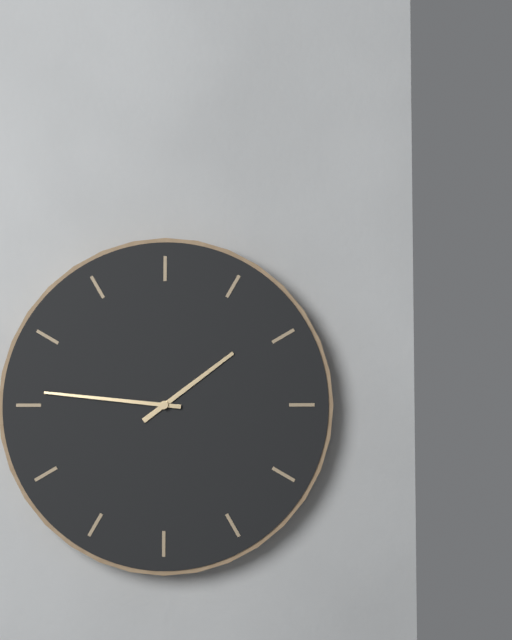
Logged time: {"hour": 1, "minute": 46}
